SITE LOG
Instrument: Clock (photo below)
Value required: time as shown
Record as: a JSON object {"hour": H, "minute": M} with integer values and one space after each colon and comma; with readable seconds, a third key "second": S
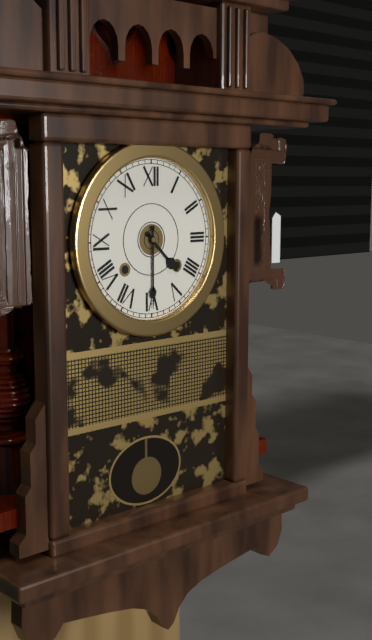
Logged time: {"hour": 4, "minute": 30}
